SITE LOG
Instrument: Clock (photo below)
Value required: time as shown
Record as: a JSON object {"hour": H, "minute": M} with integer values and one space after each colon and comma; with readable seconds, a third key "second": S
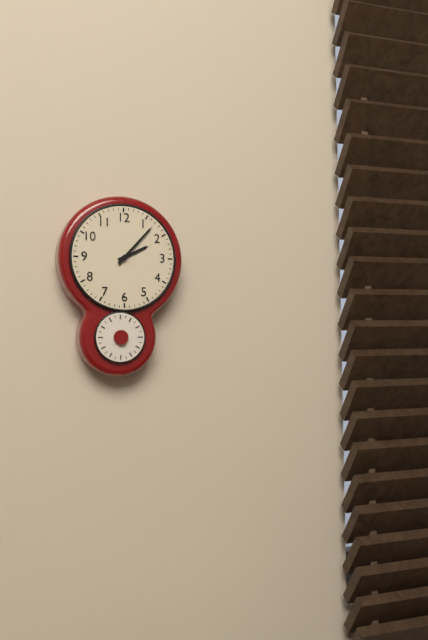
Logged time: {"hour": 2, "minute": 7}
